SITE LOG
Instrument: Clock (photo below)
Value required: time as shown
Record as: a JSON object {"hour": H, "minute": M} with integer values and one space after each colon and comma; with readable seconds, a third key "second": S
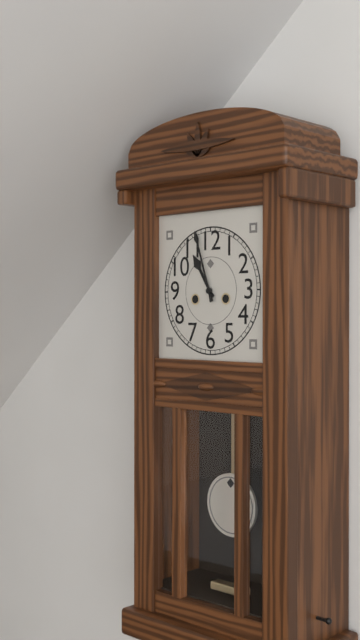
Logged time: {"hour": 10, "minute": 57}
